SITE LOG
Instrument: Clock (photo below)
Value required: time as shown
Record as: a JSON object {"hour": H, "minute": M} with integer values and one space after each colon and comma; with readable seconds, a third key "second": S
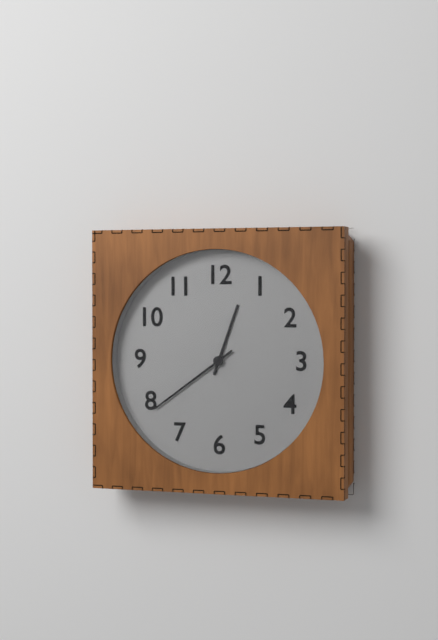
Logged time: {"hour": 12, "minute": 39}
